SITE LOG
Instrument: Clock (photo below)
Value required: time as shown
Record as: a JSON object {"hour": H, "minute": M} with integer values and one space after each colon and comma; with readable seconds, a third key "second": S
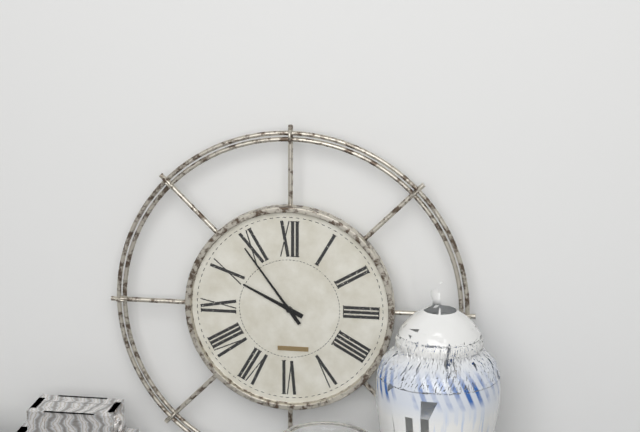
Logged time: {"hour": 9, "minute": 54}
